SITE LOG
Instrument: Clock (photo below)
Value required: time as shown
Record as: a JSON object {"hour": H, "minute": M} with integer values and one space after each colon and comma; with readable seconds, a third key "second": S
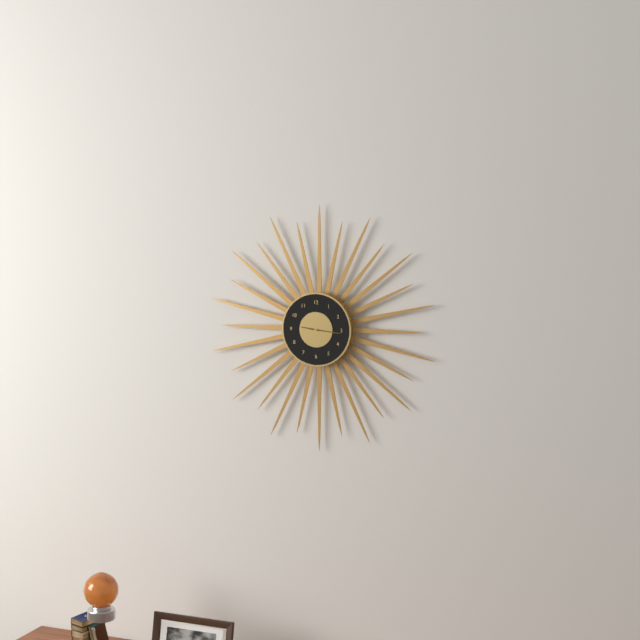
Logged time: {"hour": 9, "minute": 16}
